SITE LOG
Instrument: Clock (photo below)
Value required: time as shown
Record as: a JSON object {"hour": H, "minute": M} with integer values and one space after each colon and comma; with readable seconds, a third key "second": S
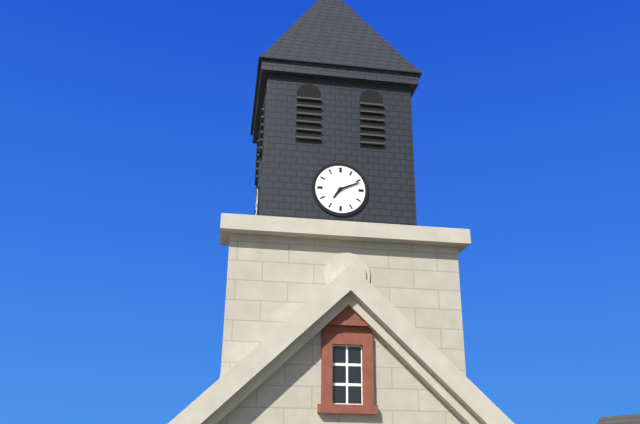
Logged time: {"hour": 7, "minute": 11}
